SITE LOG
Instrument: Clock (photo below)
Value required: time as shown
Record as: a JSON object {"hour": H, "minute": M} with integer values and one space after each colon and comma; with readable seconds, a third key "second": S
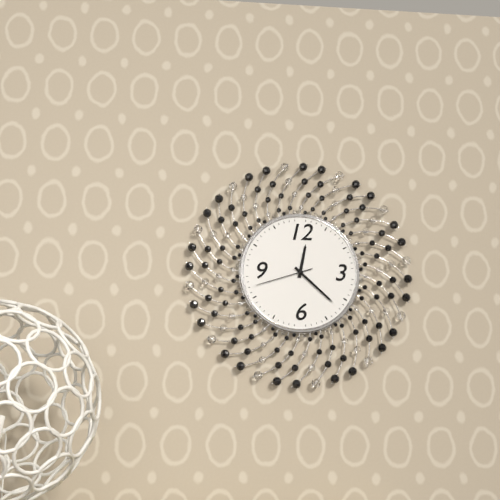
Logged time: {"hour": 12, "minute": 22, "second": 42}
